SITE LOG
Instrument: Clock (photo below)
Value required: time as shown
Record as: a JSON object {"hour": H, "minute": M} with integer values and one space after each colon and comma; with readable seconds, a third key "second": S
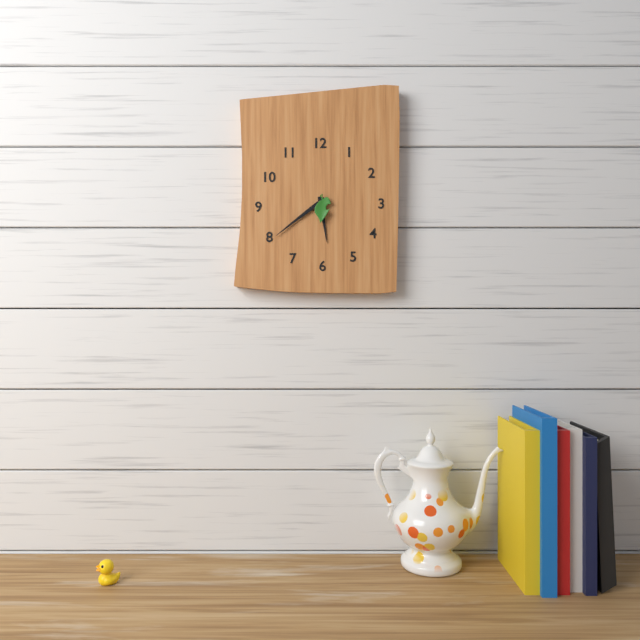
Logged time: {"hour": 5, "minute": 39}
